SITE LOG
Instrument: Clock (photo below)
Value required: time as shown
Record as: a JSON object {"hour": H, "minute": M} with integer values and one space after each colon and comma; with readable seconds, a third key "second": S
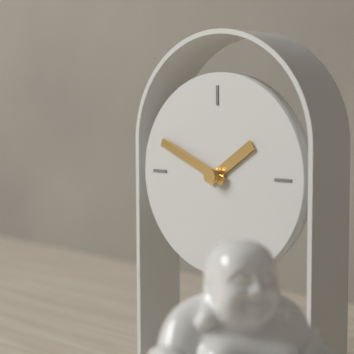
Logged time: {"hour": 1, "minute": 49}
